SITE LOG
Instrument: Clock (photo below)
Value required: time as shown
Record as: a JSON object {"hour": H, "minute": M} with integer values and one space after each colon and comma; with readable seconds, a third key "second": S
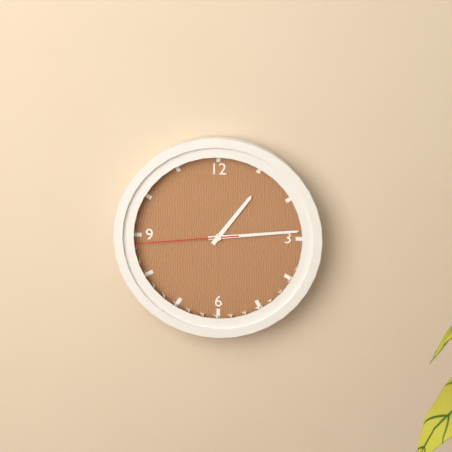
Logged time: {"hour": 1, "minute": 14, "second": 44}
